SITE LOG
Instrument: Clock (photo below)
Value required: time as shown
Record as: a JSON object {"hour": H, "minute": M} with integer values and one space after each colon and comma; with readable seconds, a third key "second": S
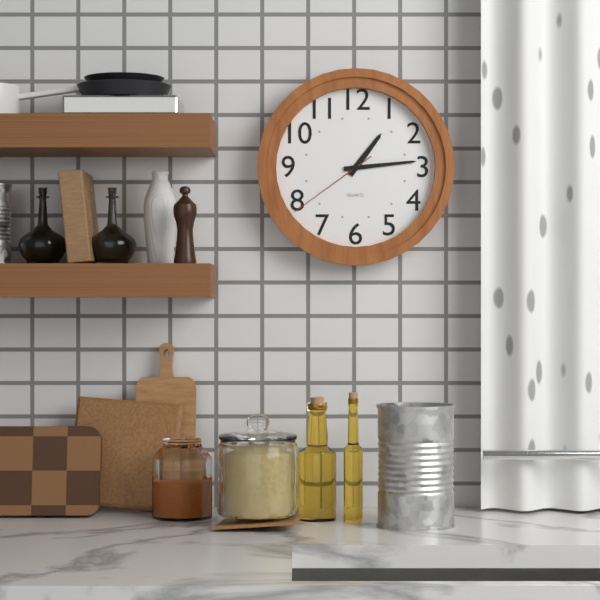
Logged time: {"hour": 1, "minute": 14, "second": 39}
